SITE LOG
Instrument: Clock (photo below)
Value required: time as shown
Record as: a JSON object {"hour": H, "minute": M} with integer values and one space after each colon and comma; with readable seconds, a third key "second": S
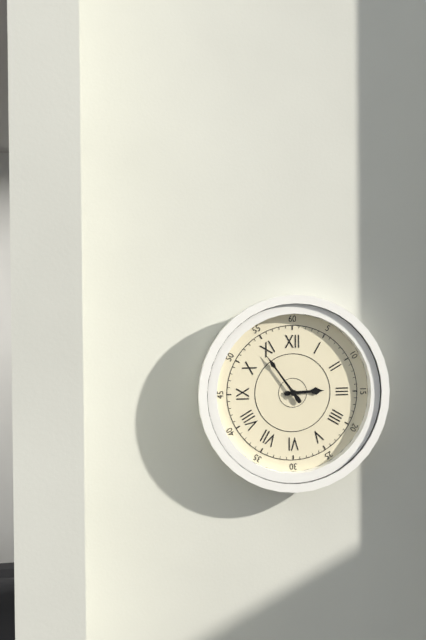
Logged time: {"hour": 2, "minute": 54}
